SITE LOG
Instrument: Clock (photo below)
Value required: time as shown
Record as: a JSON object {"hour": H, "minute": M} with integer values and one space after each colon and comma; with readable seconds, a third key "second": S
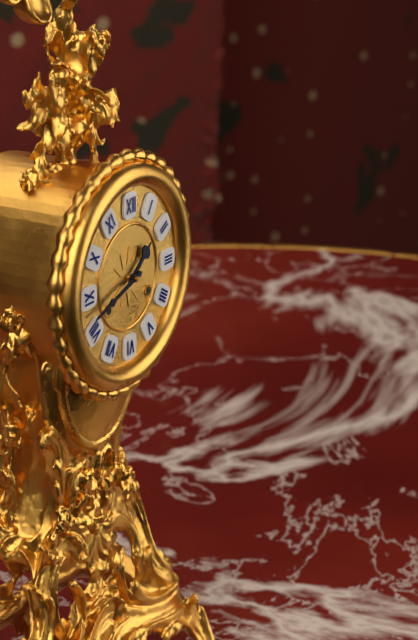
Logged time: {"hour": 1, "minute": 42}
